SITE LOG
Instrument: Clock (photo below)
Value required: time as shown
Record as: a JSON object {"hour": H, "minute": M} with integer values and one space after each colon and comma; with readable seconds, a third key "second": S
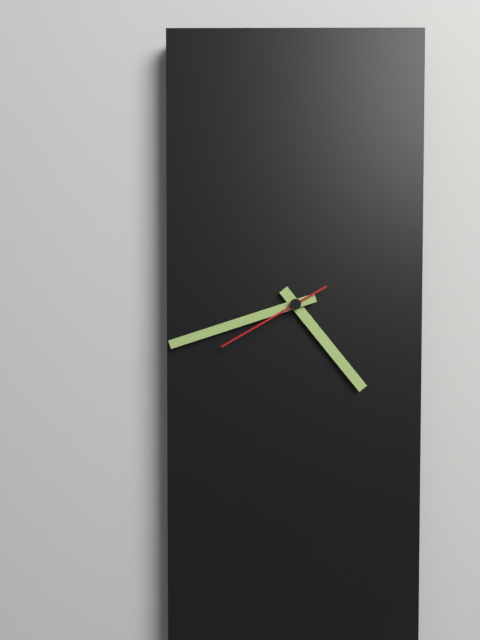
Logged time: {"hour": 4, "minute": 42, "second": 40}
